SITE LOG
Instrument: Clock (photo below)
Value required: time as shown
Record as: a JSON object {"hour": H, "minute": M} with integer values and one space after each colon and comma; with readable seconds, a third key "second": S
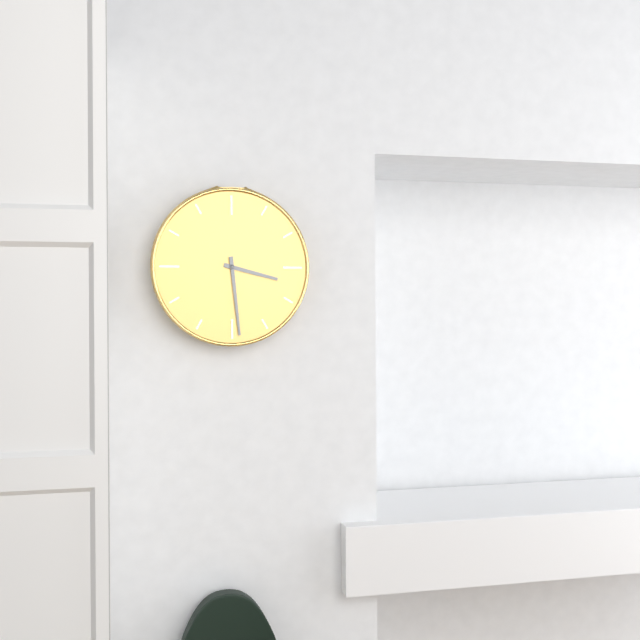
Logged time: {"hour": 3, "minute": 29}
